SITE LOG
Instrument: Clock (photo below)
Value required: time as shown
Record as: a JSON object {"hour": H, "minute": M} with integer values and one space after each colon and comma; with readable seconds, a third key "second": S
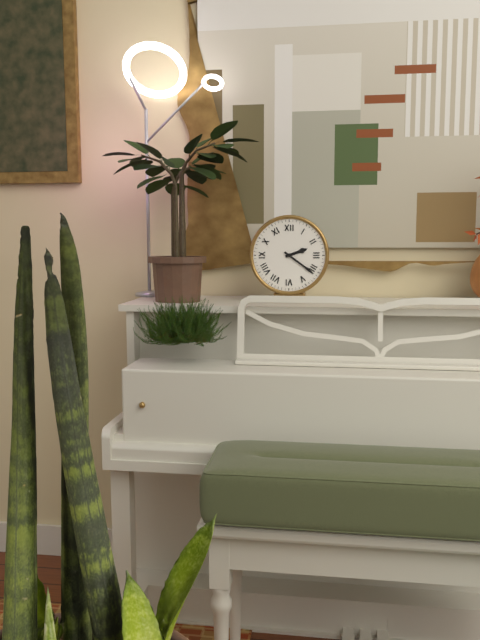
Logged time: {"hour": 2, "minute": 21}
